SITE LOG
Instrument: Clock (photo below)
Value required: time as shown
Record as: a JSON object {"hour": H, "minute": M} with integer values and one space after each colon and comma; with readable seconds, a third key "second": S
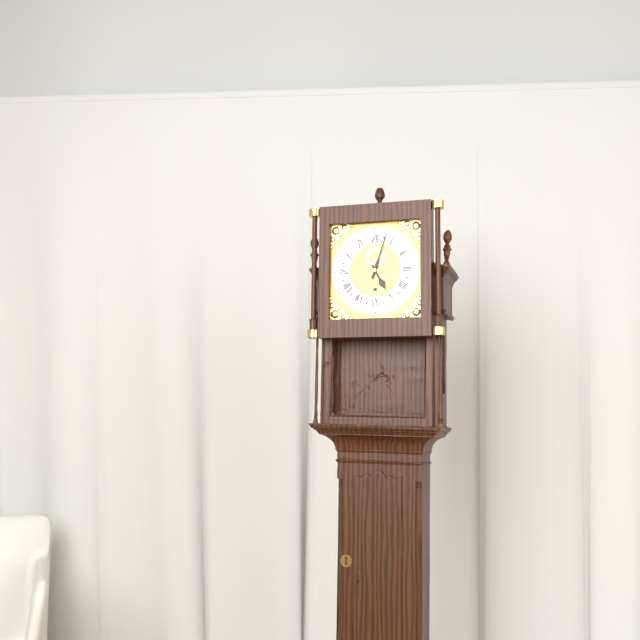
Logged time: {"hour": 5, "minute": 3}
